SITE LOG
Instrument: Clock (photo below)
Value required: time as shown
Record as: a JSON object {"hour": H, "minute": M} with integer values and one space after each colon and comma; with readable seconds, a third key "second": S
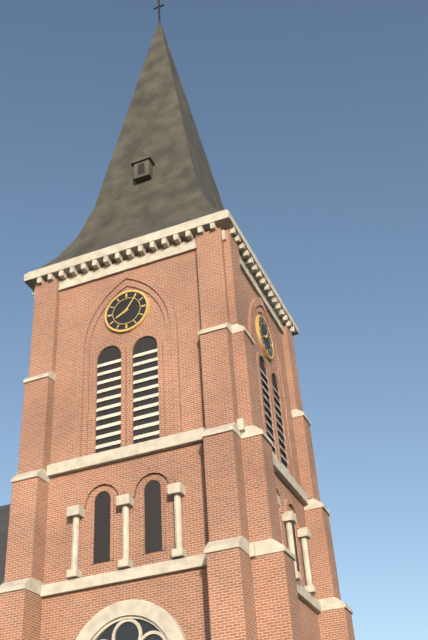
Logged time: {"hour": 8, "minute": 6}
